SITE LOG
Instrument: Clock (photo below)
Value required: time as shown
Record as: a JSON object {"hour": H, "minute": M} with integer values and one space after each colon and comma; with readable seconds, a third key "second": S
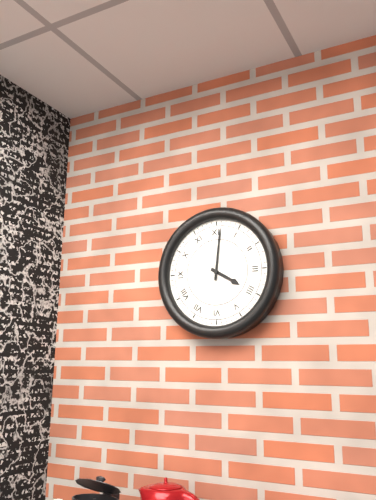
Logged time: {"hour": 4, "minute": 1}
